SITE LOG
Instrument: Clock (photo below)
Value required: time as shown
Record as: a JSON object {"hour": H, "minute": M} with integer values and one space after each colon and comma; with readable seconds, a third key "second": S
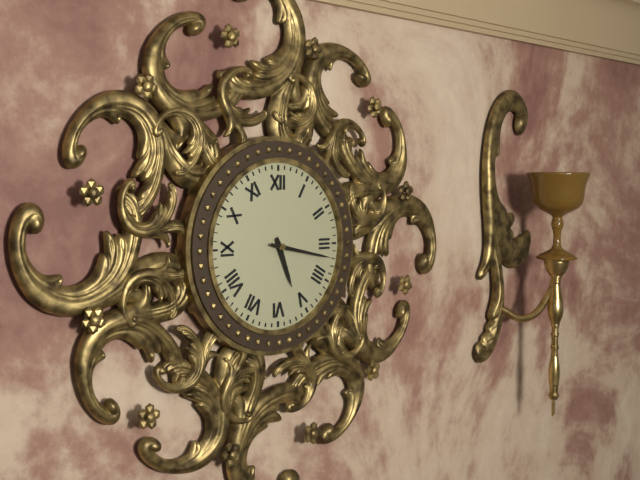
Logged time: {"hour": 5, "minute": 17}
